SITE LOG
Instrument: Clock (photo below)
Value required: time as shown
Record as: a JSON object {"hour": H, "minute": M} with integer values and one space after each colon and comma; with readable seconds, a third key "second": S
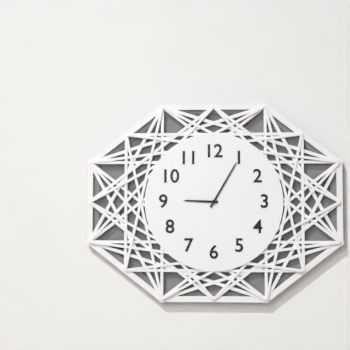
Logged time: {"hour": 9, "minute": 5}
